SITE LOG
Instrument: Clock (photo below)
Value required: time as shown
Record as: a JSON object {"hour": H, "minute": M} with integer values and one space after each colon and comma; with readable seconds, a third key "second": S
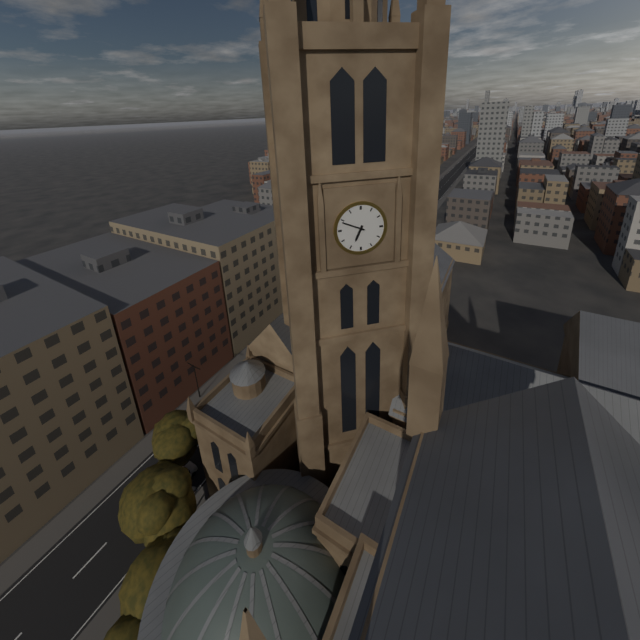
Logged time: {"hour": 6, "minute": 49}
